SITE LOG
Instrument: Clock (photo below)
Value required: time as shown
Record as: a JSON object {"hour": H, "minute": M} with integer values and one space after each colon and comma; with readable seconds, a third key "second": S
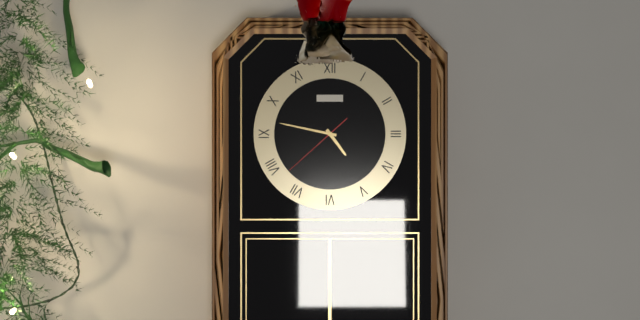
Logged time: {"hour": 4, "minute": 47, "second": 38}
